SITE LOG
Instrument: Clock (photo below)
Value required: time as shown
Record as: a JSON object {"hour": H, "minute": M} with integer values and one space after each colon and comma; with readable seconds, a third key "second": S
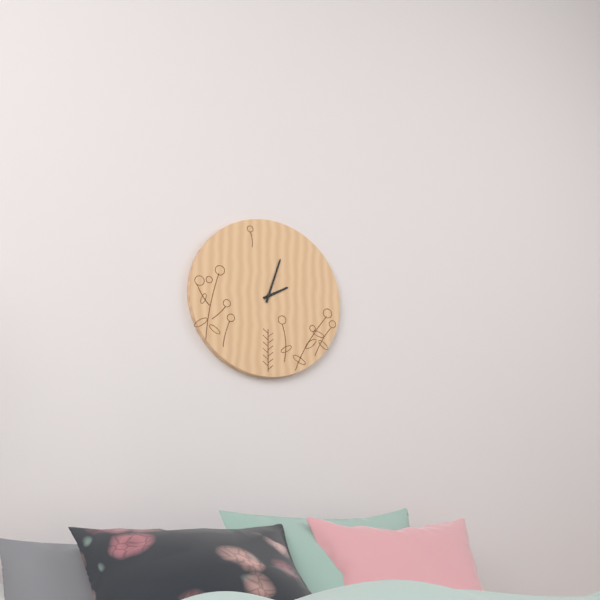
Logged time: {"hour": 2, "minute": 3}
